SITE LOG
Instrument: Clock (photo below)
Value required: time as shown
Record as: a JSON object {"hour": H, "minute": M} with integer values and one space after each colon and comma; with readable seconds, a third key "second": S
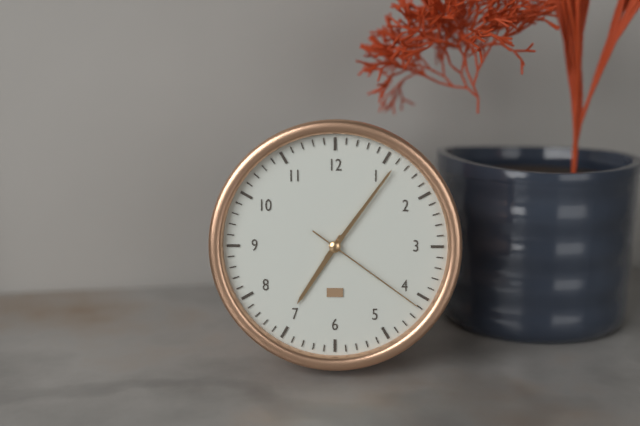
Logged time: {"hour": 7, "minute": 6, "second": 21}
